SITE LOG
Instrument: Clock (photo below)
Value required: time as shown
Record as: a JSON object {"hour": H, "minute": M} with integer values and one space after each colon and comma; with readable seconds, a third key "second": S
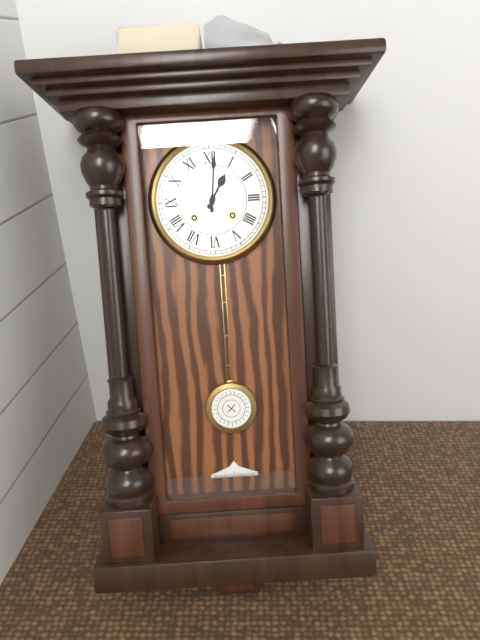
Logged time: {"hour": 1, "minute": 1}
